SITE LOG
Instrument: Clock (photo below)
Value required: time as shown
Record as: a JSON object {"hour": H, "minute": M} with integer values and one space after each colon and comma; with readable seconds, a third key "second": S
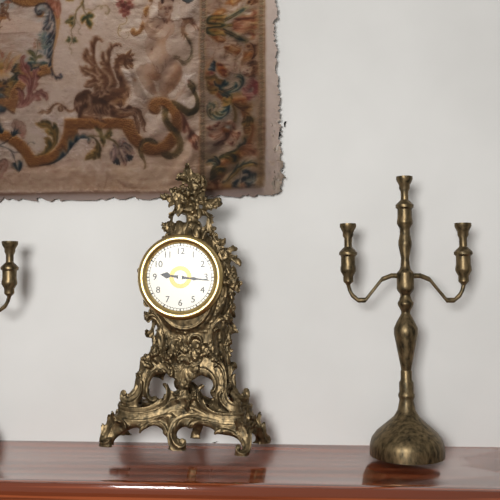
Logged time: {"hour": 9, "minute": 16}
